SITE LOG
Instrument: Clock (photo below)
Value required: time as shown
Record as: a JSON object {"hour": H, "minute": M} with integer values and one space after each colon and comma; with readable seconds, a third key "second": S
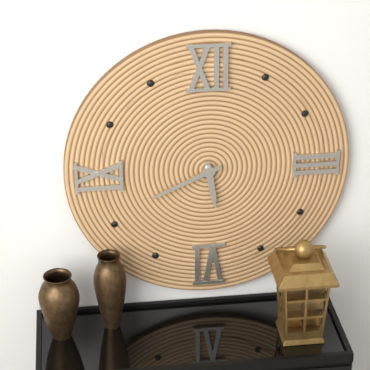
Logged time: {"hour": 5, "minute": 41}
